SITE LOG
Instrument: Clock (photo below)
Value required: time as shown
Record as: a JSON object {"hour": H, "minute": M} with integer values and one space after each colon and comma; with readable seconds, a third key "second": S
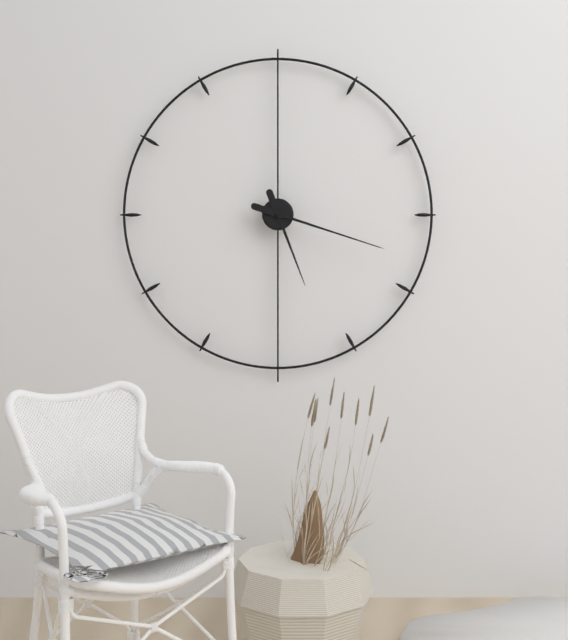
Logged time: {"hour": 5, "minute": 18}
